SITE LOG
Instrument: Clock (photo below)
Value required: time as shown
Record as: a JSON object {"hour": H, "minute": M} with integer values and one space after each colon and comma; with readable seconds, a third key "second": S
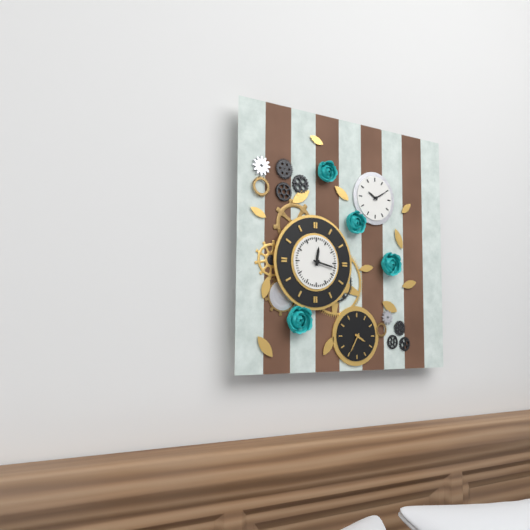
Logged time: {"hour": 12, "minute": 17}
